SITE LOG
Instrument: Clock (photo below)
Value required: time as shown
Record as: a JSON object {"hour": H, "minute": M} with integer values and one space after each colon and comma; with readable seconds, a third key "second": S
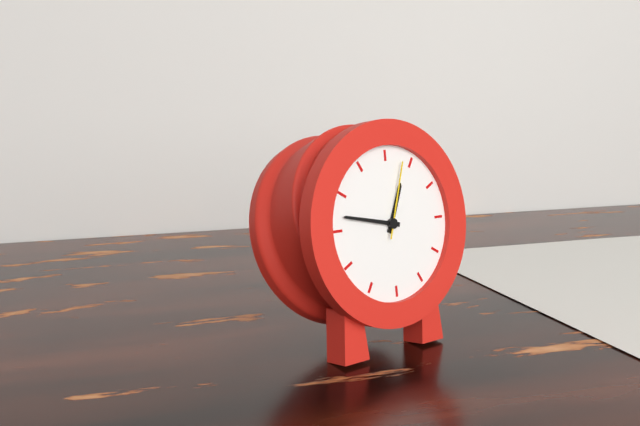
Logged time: {"hour": 12, "minute": 47, "second": 3}
